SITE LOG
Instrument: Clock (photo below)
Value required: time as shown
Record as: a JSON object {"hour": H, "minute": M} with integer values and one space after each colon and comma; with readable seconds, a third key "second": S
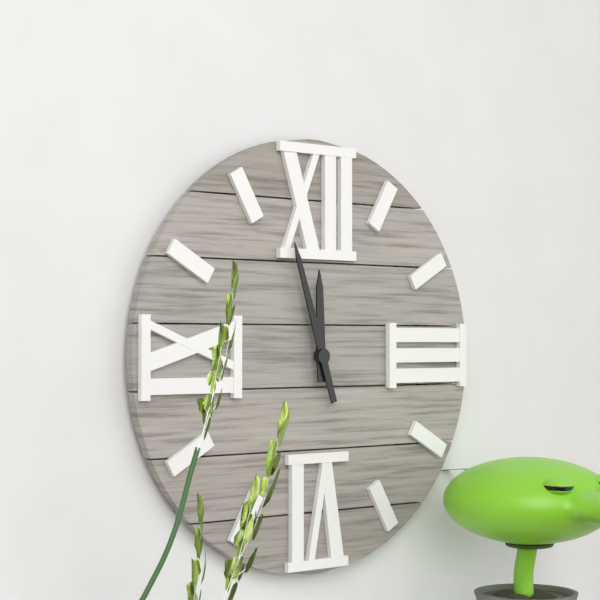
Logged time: {"hour": 11, "minute": 57}
